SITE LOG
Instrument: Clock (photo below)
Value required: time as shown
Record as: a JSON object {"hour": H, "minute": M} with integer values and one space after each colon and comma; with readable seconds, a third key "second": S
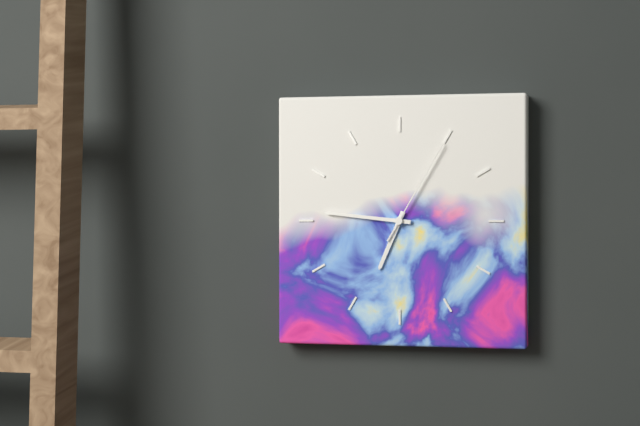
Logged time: {"hour": 6, "minute": 46, "second": 5}
